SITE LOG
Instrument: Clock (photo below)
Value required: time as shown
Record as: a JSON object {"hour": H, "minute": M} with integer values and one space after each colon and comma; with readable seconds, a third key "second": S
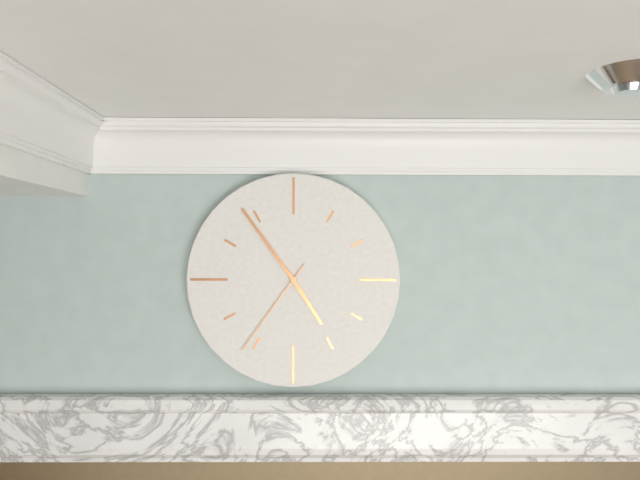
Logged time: {"hour": 4, "minute": 54, "second": 36}
